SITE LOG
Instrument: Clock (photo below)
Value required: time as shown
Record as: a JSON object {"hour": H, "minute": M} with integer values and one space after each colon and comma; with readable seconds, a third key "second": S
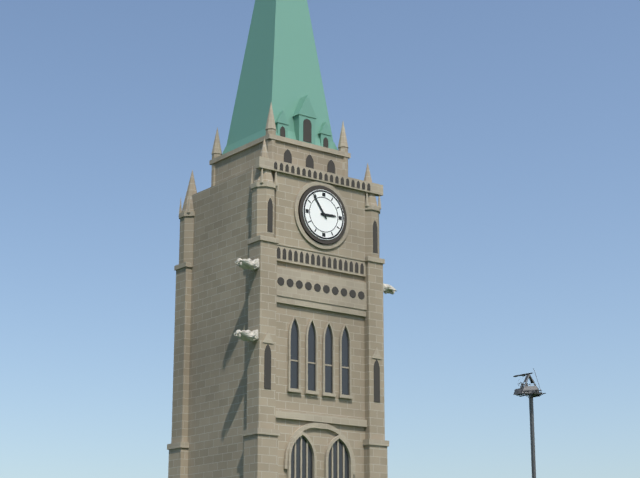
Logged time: {"hour": 2, "minute": 54}
